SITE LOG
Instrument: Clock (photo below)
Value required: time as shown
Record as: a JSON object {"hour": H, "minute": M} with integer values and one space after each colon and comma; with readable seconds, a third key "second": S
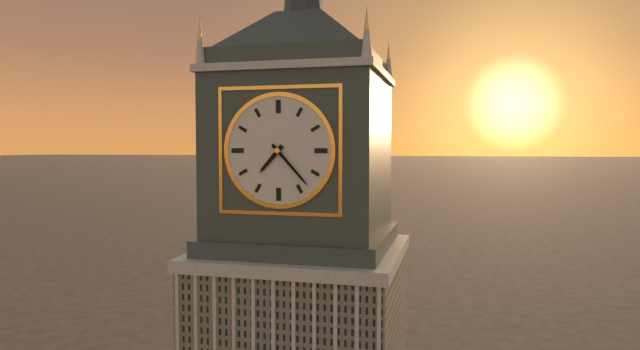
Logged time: {"hour": 7, "minute": 23}
